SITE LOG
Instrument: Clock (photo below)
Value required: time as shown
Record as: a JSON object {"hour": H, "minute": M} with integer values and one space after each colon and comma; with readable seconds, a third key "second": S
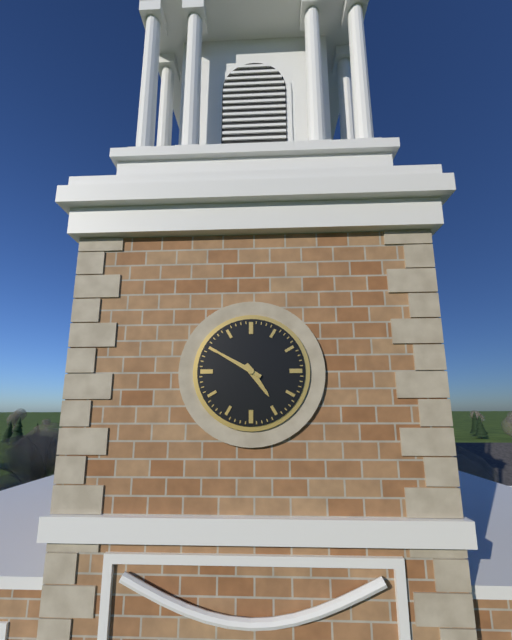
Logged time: {"hour": 4, "minute": 50}
